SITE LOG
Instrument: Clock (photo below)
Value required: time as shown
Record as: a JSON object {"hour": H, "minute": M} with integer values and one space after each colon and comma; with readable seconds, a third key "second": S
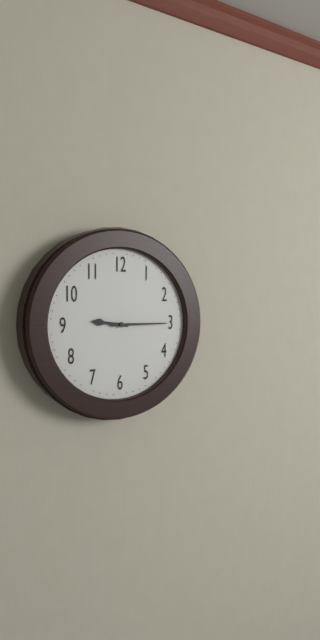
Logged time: {"hour": 9, "minute": 15}
